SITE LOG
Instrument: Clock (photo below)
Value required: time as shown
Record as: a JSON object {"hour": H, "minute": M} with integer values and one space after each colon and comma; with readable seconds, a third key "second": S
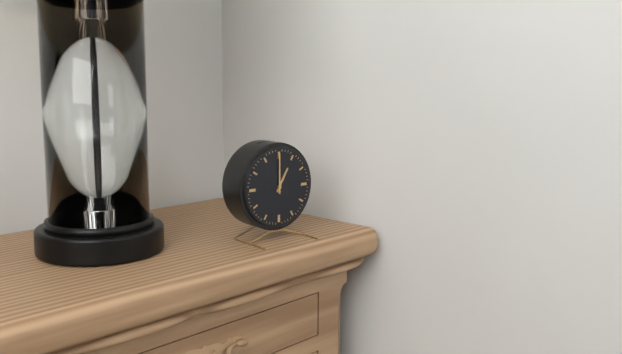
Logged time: {"hour": 1, "minute": 0}
